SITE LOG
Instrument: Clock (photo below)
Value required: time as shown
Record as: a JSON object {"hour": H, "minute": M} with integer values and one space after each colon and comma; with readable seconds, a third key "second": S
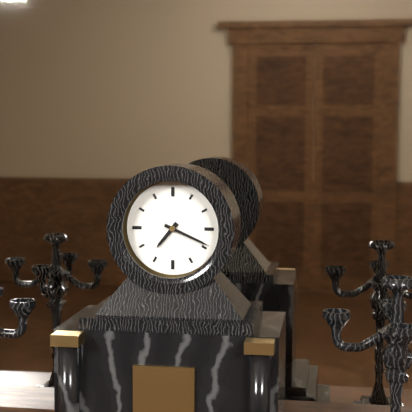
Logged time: {"hour": 7, "minute": 19}
